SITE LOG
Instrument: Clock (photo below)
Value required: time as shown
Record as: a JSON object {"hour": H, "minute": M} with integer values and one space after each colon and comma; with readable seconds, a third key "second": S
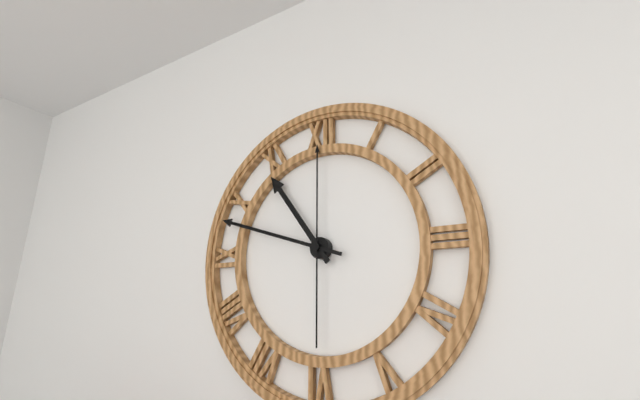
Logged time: {"hour": 10, "minute": 48, "second": 0}
